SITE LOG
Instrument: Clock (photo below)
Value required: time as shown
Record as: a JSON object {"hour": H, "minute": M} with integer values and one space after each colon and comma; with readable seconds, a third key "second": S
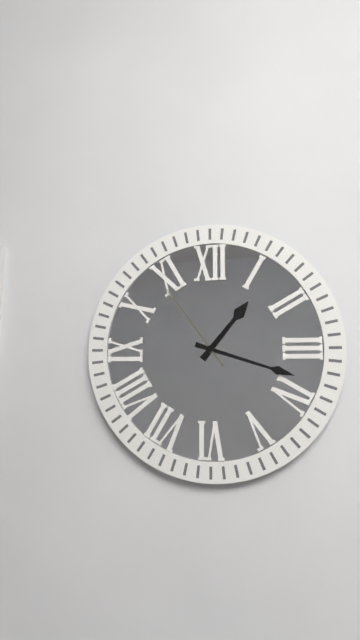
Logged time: {"hour": 1, "minute": 18, "second": 54}
